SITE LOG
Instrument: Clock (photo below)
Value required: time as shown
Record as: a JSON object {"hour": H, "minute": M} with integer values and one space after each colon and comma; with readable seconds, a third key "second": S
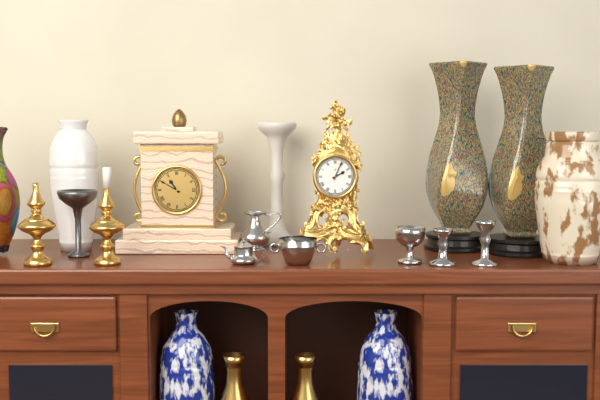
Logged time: {"hour": 2, "minute": 4}
